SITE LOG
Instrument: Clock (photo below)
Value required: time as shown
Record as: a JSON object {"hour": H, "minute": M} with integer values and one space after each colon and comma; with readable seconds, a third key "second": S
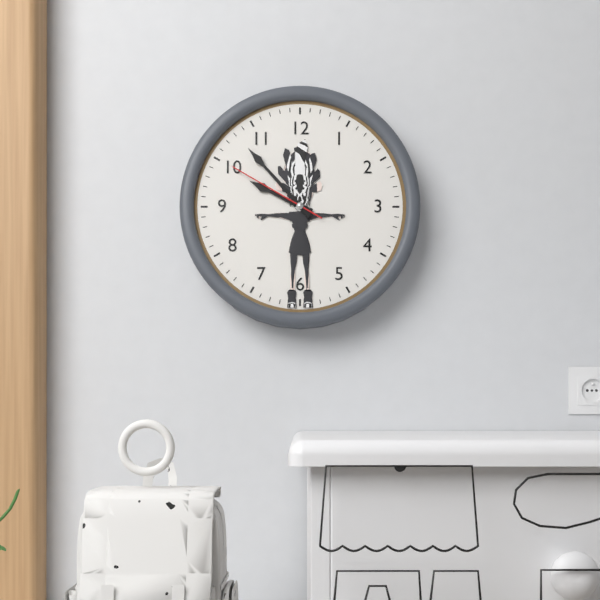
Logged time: {"hour": 9, "minute": 53, "second": 50}
